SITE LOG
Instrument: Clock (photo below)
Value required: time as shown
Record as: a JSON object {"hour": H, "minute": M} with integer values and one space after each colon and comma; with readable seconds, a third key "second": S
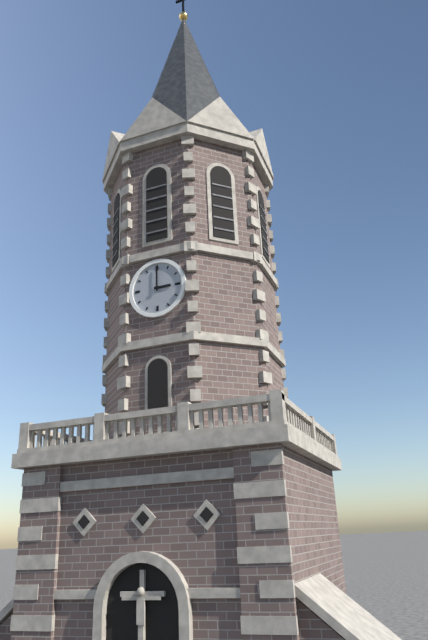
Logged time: {"hour": 3, "minute": 0}
